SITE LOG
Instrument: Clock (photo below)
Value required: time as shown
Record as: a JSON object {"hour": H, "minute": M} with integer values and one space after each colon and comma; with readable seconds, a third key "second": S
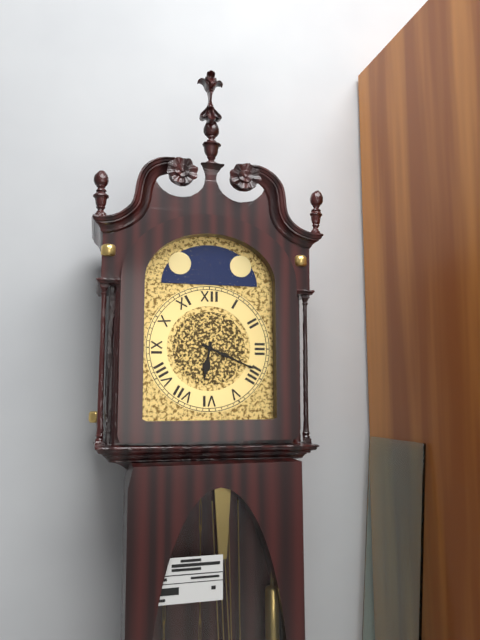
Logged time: {"hour": 6, "minute": 19}
